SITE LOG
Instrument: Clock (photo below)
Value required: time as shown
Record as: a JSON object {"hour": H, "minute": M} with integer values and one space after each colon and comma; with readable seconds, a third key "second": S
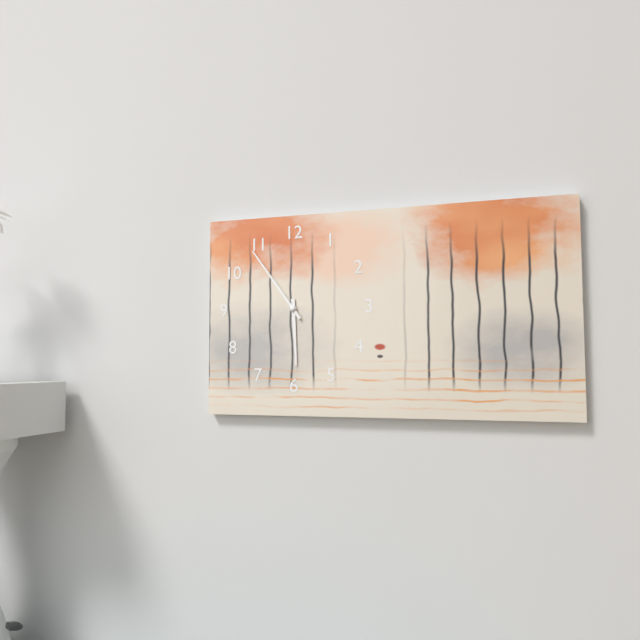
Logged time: {"hour": 5, "minute": 54}
